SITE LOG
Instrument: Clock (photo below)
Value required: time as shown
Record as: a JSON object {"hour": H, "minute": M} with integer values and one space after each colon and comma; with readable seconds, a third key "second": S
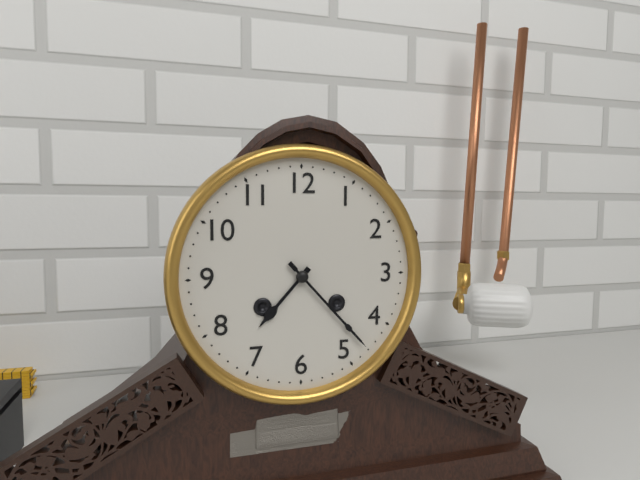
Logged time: {"hour": 7, "minute": 23}
